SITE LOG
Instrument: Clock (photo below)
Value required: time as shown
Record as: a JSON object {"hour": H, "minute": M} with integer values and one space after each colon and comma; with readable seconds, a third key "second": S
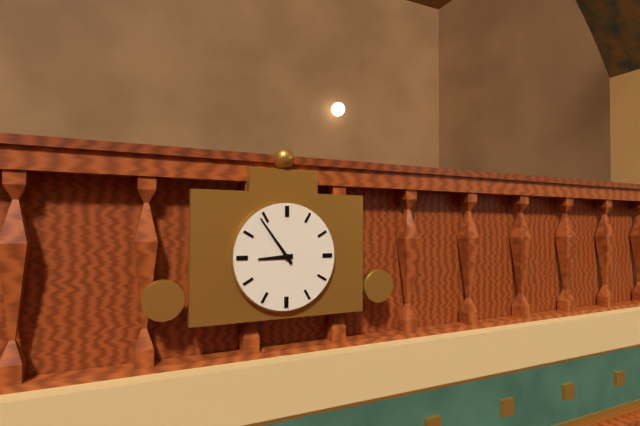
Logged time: {"hour": 8, "minute": 54}
